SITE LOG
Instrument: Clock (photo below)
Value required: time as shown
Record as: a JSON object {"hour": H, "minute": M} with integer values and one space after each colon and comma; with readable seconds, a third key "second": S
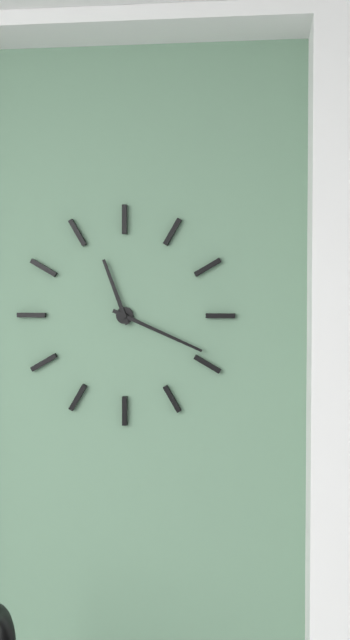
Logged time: {"hour": 11, "minute": 19}
